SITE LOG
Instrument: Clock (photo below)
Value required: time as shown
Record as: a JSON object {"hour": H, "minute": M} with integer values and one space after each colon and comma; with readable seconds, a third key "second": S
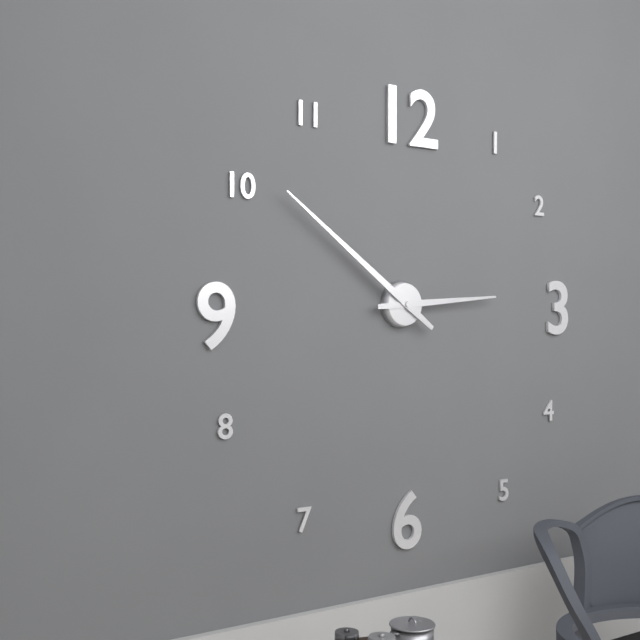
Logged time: {"hour": 2, "minute": 51}
